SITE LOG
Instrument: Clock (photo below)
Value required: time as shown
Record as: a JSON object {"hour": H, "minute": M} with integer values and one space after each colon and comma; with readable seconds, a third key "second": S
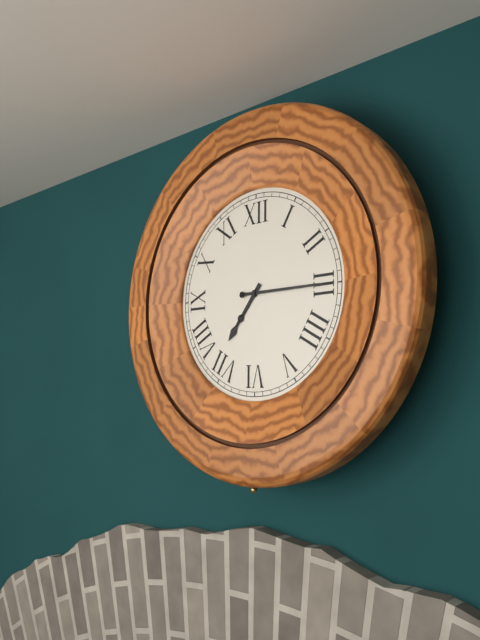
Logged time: {"hour": 7, "minute": 15}
